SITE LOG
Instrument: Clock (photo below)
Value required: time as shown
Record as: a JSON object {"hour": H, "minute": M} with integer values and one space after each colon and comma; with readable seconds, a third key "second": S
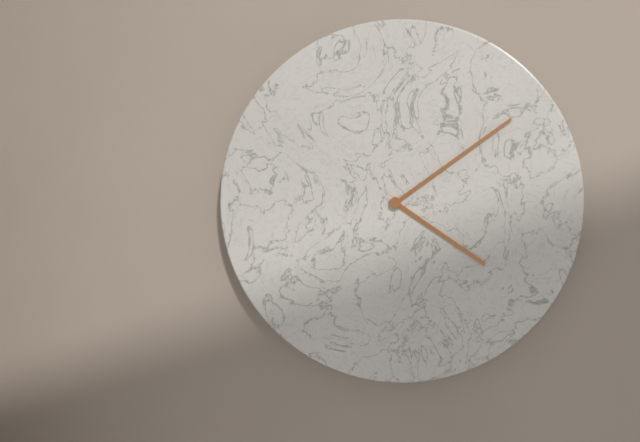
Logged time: {"hour": 4, "minute": 9}
